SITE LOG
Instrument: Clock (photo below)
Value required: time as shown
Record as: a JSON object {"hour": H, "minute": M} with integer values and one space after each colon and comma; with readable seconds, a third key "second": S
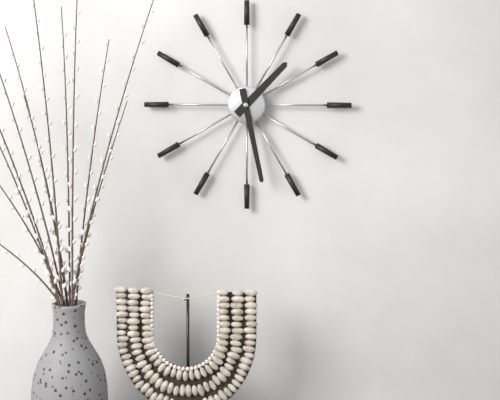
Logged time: {"hour": 1, "minute": 28}
